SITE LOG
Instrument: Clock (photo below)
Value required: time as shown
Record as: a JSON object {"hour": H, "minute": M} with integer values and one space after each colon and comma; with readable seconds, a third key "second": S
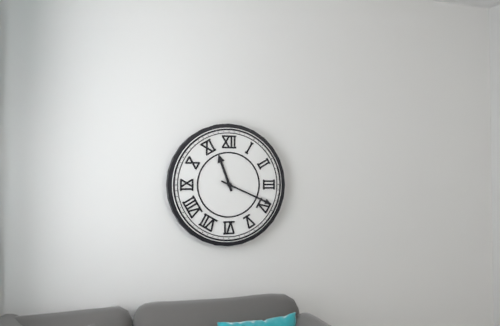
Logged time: {"hour": 11, "minute": 19}
